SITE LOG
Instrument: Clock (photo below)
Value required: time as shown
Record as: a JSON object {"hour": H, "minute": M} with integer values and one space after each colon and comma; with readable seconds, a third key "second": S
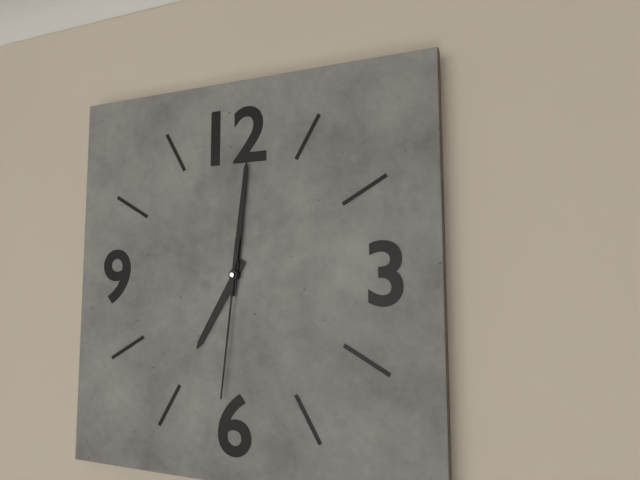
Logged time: {"hour": 7, "minute": 1, "second": 31}
